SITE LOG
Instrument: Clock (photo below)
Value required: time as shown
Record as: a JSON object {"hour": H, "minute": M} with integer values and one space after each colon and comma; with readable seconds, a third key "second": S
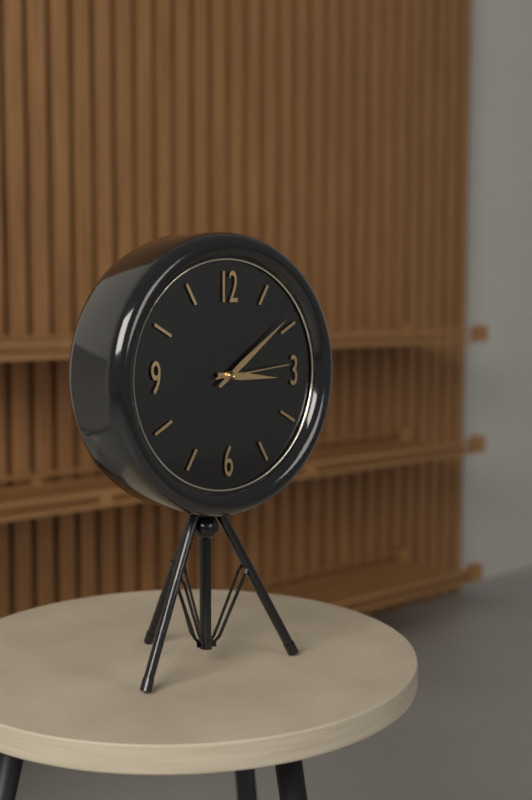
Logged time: {"hour": 3, "minute": 9, "second": 14}
